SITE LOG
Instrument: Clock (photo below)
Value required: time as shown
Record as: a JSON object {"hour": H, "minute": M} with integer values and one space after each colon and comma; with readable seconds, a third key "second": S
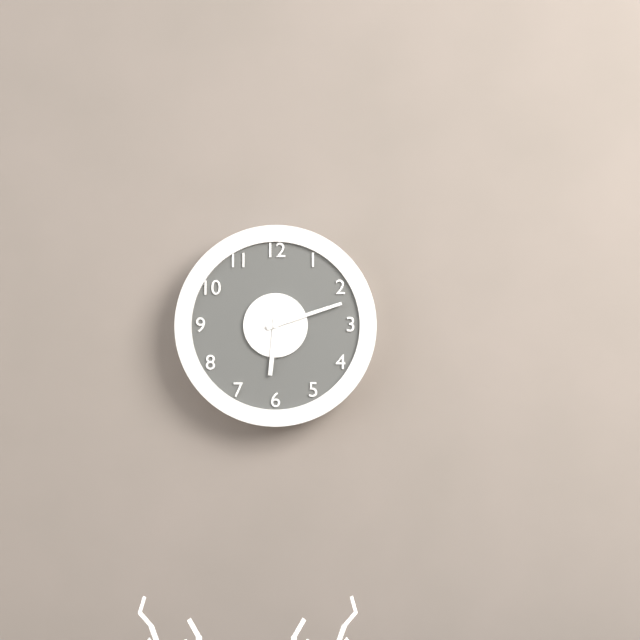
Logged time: {"hour": 6, "minute": 12}
